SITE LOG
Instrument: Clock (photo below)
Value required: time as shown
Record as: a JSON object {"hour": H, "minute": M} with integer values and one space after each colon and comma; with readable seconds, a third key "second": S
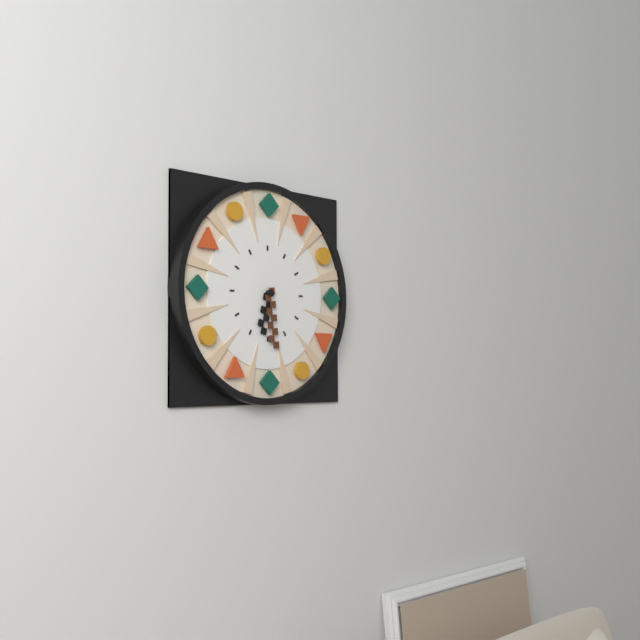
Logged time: {"hour": 6, "minute": 29}
